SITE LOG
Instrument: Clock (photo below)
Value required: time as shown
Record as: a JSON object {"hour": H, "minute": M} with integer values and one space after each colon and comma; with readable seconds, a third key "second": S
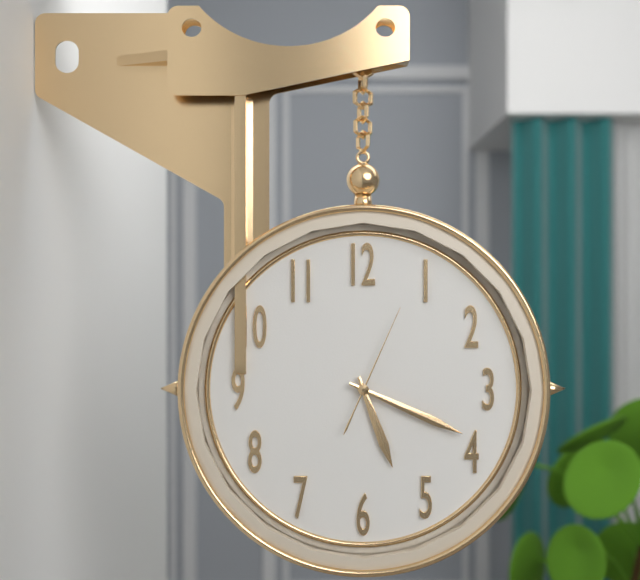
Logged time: {"hour": 5, "minute": 19, "second": 4}
